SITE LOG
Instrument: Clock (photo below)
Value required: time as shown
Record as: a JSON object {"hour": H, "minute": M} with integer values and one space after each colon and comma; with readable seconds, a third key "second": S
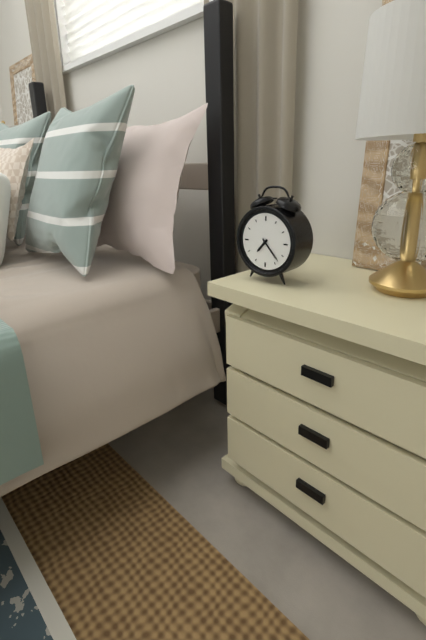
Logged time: {"hour": 7, "minute": 23}
